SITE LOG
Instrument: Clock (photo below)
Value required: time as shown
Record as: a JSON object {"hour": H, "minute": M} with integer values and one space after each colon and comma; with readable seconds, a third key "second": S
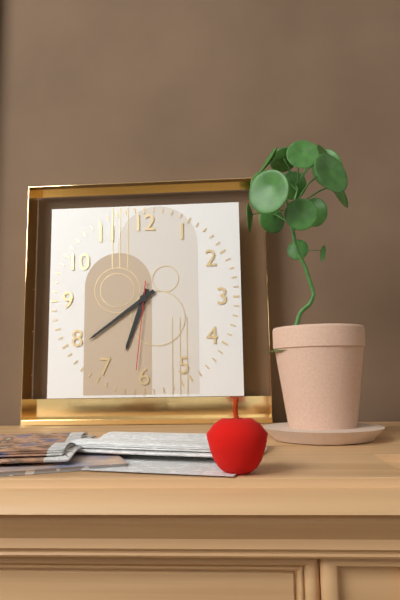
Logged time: {"hour": 6, "minute": 39, "second": 31}
